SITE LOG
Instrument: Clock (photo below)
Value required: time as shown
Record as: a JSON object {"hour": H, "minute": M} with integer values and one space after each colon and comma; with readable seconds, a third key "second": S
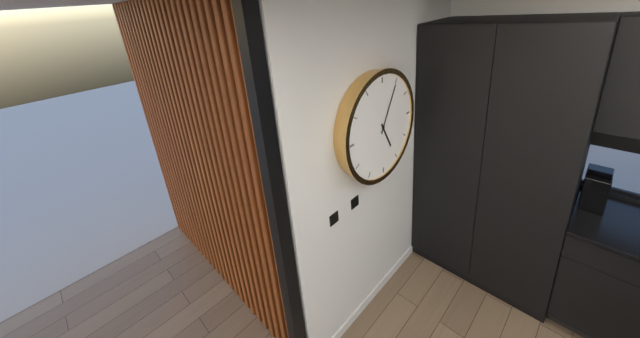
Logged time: {"hour": 5, "minute": 5}
